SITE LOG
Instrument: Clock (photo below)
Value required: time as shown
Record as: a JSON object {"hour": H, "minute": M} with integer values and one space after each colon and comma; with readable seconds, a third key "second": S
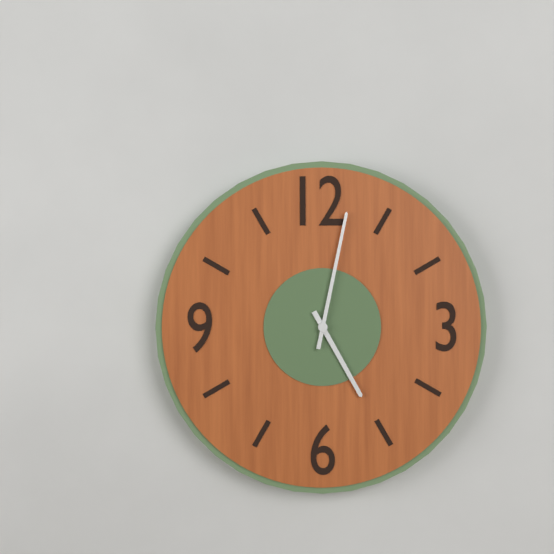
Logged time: {"hour": 5, "minute": 2}
